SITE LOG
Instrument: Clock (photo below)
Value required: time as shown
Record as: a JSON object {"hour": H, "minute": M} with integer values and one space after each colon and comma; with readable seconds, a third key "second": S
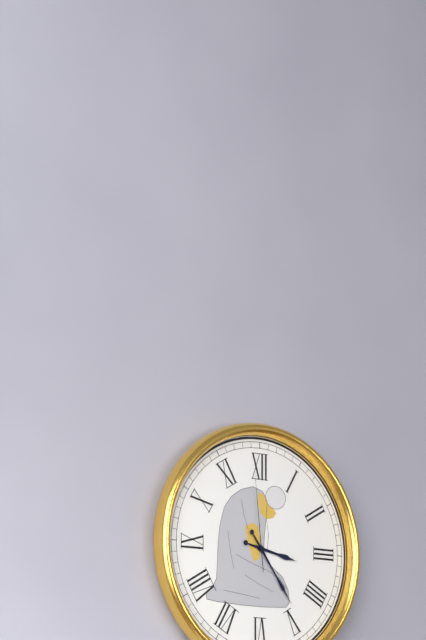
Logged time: {"hour": 3, "minute": 24, "second": 59}
